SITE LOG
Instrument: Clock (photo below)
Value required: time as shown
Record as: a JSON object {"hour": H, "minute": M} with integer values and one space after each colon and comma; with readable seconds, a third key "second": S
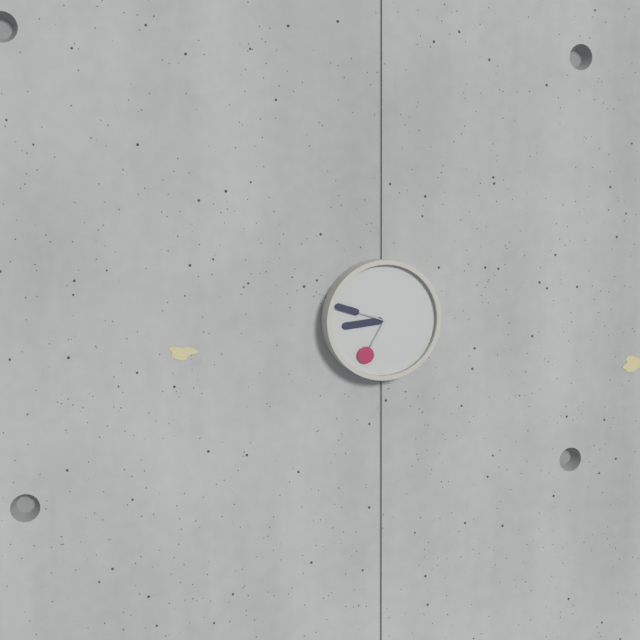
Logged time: {"hour": 8, "minute": 48, "second": 35}
